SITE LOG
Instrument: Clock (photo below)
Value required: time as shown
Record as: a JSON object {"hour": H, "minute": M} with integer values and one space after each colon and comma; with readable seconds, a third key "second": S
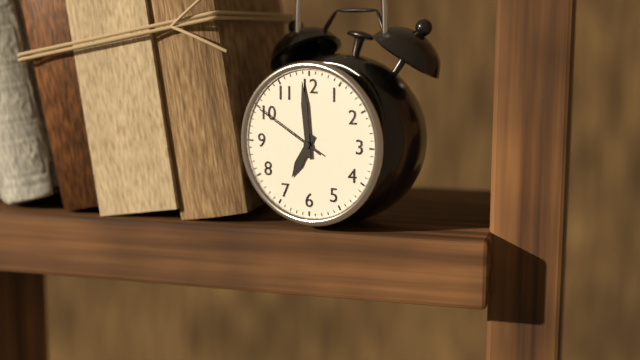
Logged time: {"hour": 6, "minute": 59, "second": 50}
